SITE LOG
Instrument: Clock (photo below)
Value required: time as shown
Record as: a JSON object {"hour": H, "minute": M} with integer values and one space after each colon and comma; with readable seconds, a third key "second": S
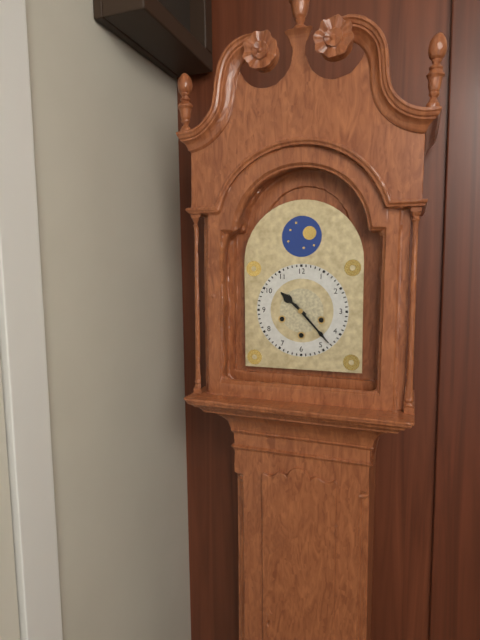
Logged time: {"hour": 10, "minute": 23}
